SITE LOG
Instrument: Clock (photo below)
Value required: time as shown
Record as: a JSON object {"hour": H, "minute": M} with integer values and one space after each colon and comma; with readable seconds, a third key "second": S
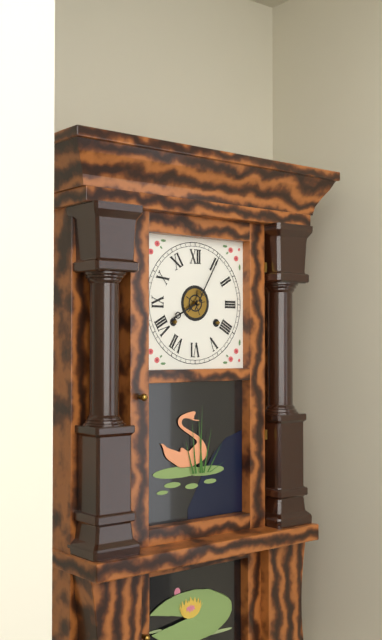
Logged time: {"hour": 8, "minute": 5}
